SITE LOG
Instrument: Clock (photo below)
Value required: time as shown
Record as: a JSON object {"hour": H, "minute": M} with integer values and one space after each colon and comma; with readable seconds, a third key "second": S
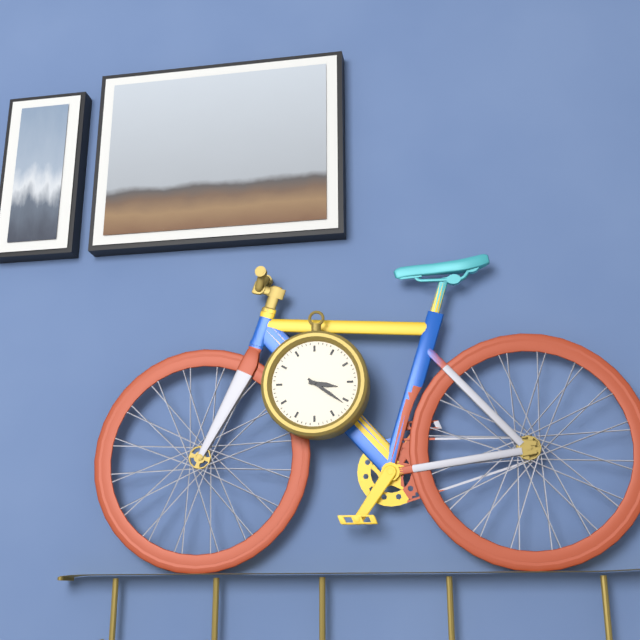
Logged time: {"hour": 3, "minute": 21}
